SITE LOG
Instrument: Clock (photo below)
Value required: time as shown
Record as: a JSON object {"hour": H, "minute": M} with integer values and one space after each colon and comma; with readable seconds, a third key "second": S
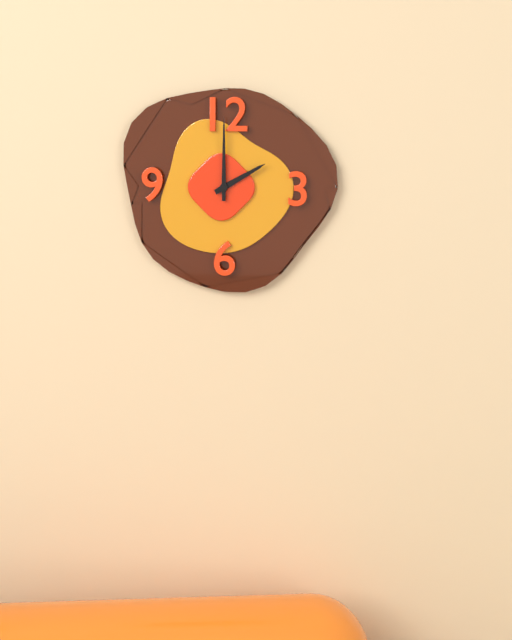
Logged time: {"hour": 2, "minute": 0}
